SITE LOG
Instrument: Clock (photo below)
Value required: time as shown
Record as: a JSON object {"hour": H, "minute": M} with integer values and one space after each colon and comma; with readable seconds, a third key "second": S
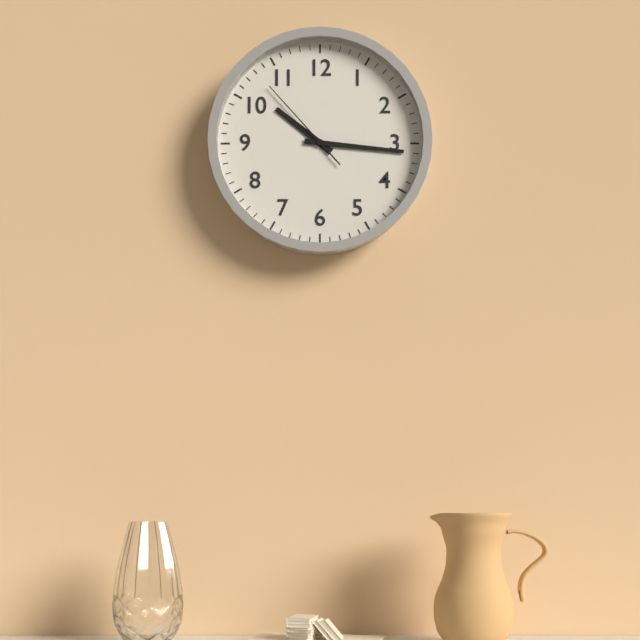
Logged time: {"hour": 10, "minute": 16, "second": 53}
